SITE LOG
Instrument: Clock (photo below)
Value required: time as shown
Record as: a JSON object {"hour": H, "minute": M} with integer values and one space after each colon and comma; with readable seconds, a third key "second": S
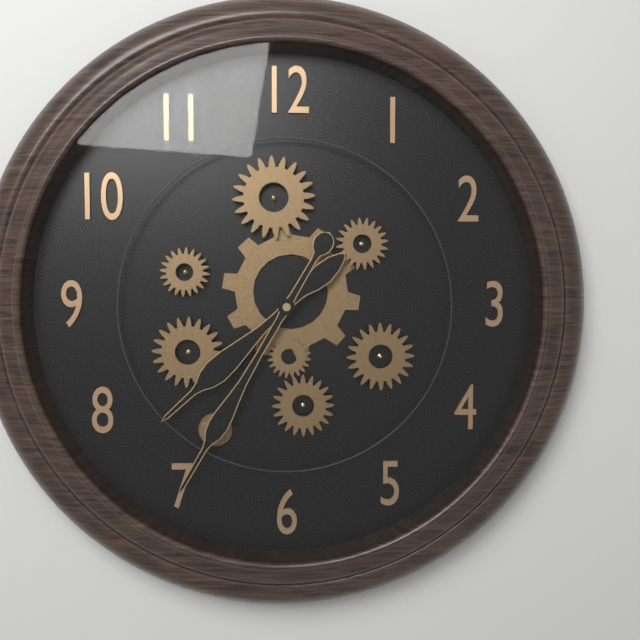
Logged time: {"hour": 7, "minute": 35}
